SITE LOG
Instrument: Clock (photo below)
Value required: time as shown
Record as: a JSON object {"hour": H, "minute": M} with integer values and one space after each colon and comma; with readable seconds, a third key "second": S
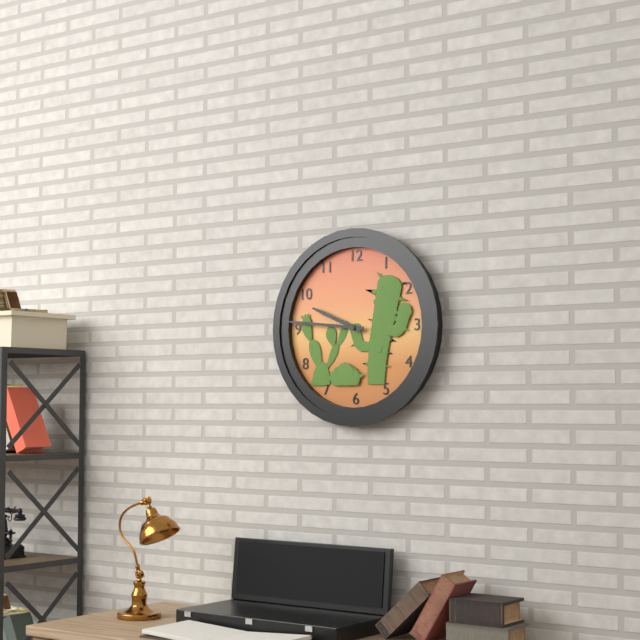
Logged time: {"hour": 9, "minute": 46}
